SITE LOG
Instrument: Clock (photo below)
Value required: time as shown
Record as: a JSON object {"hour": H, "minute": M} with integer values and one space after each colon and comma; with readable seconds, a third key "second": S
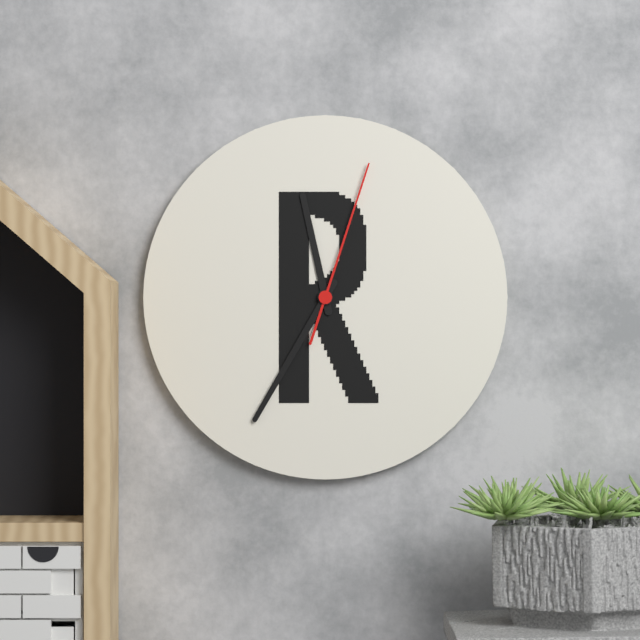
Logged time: {"hour": 11, "minute": 35, "second": 3}
